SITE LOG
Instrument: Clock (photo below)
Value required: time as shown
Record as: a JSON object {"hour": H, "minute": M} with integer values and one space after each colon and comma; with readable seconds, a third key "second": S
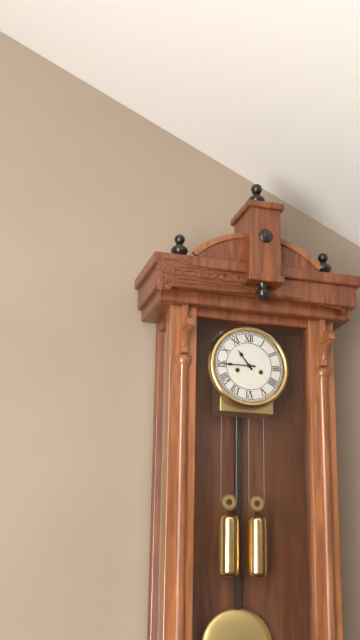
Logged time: {"hour": 10, "minute": 45}
